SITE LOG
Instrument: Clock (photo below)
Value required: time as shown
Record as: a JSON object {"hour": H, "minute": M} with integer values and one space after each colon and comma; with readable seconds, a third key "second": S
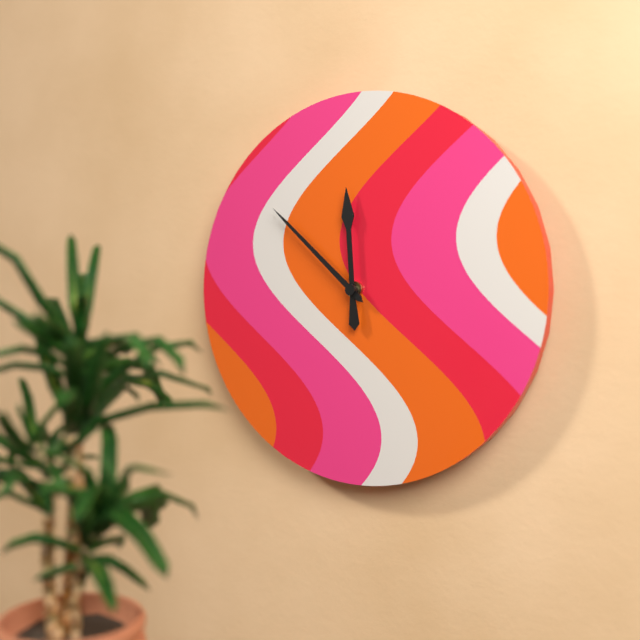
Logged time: {"hour": 11, "minute": 52}
